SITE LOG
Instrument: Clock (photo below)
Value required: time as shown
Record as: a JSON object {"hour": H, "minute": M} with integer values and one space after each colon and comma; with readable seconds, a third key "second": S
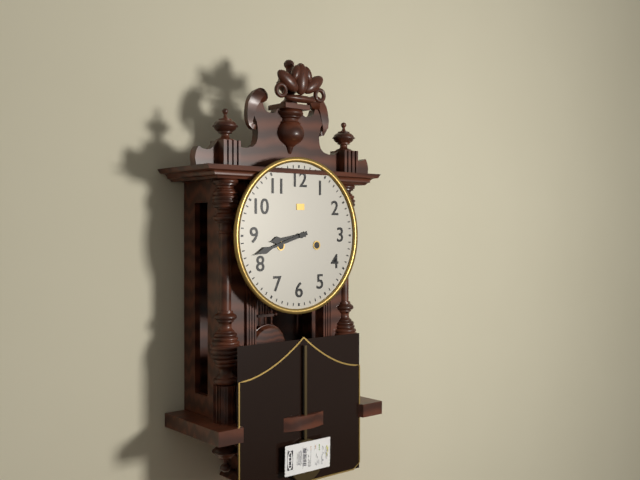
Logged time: {"hour": 8, "minute": 42}
